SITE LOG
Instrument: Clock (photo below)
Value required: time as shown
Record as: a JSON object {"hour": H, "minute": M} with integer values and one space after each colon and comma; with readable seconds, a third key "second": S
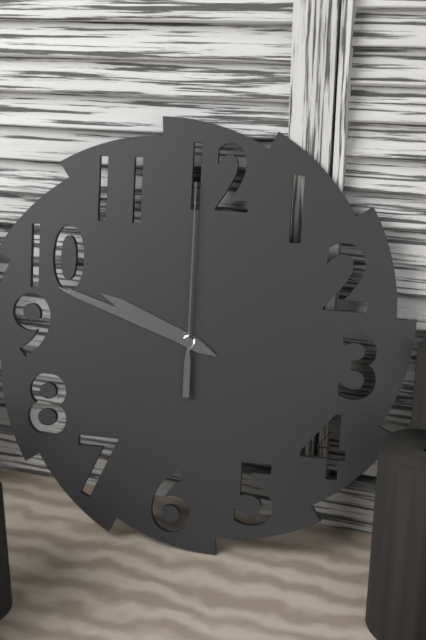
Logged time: {"hour": 9, "minute": 48, "second": 0}
